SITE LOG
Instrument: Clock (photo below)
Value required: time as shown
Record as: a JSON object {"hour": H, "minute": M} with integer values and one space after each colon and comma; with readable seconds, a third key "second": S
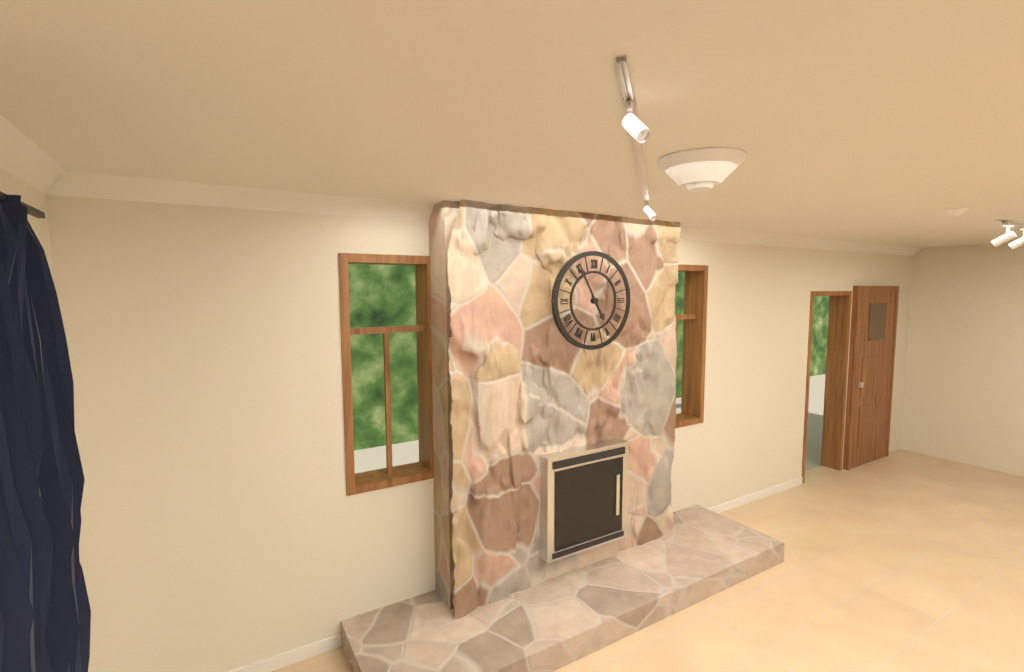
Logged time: {"hour": 4, "minute": 55}
